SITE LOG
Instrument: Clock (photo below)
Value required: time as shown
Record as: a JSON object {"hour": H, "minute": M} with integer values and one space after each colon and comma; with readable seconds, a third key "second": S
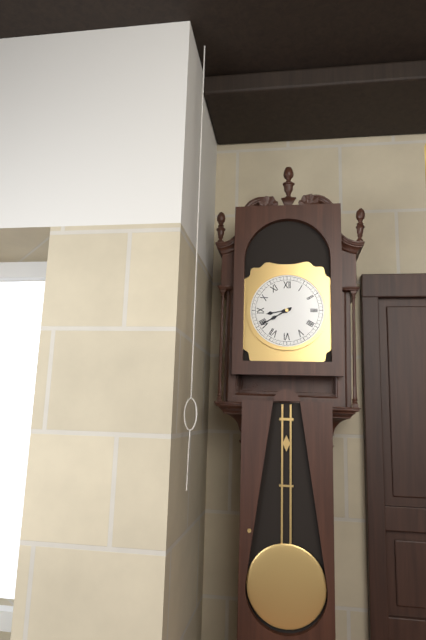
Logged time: {"hour": 8, "minute": 40}
